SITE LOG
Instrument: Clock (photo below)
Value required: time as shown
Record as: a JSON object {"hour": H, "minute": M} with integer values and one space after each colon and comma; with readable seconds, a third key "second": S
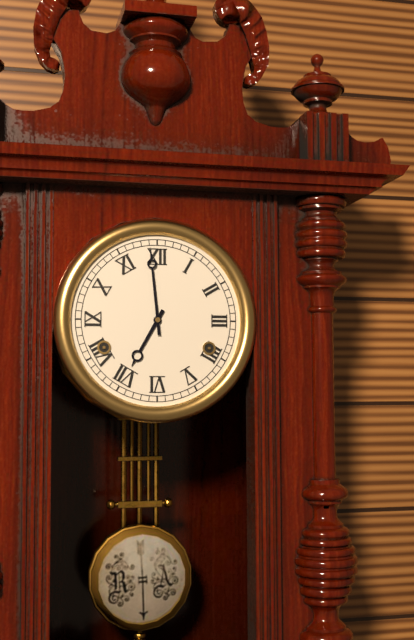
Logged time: {"hour": 6, "minute": 59}
